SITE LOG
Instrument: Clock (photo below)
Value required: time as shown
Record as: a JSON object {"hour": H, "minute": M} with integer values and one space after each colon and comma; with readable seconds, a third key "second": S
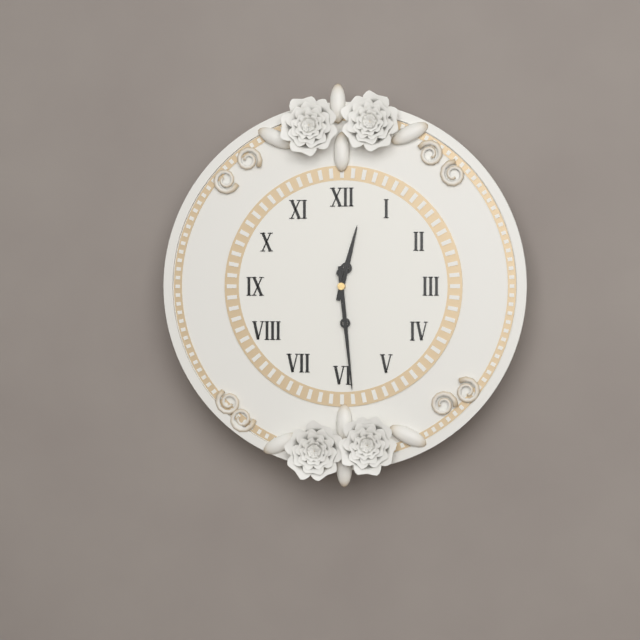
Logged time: {"hour": 12, "minute": 29}
